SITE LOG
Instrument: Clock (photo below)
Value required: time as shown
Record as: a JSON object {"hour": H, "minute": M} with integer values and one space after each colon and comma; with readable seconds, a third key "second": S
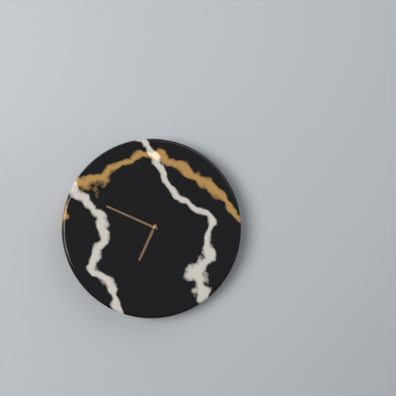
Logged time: {"hour": 6, "minute": 49}
